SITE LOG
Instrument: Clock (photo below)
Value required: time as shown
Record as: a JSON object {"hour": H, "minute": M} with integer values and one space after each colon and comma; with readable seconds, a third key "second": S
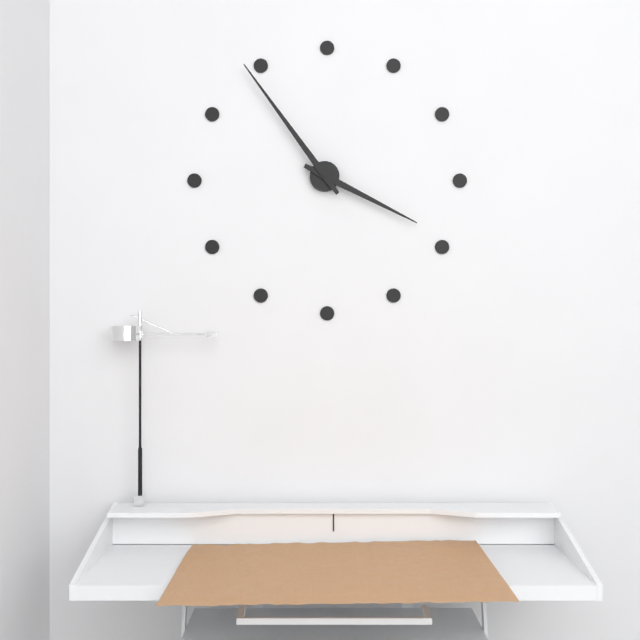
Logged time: {"hour": 3, "minute": 54}
